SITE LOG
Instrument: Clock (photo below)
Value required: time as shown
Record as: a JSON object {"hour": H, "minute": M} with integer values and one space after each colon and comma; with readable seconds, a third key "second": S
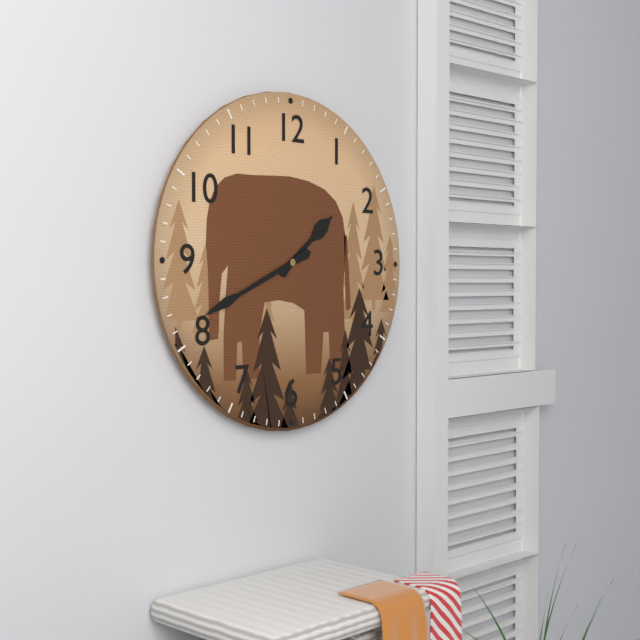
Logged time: {"hour": 1, "minute": 41}
